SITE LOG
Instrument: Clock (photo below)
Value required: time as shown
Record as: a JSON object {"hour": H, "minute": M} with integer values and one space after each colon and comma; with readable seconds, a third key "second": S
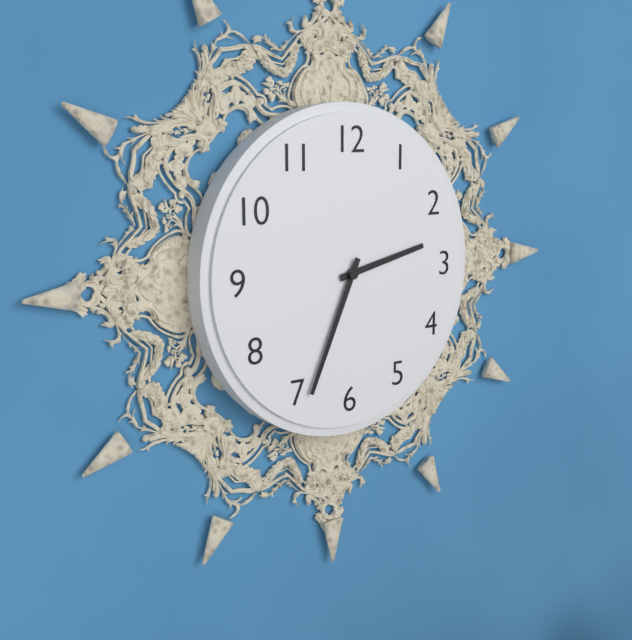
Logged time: {"hour": 2, "minute": 34}
